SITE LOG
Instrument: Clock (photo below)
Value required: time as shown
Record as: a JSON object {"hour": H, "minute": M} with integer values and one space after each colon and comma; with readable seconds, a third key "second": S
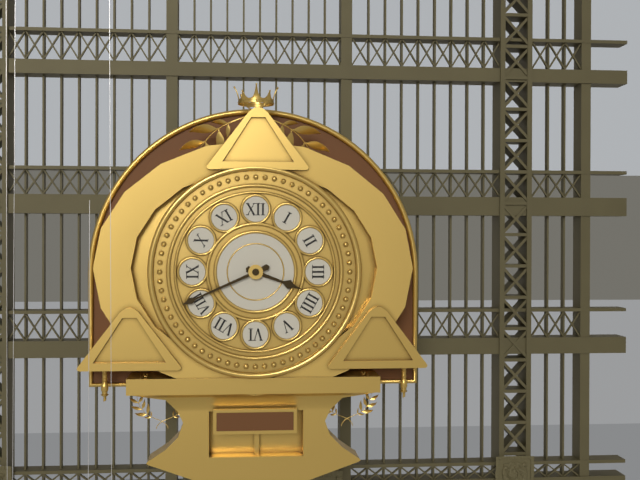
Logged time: {"hour": 3, "minute": 41}
